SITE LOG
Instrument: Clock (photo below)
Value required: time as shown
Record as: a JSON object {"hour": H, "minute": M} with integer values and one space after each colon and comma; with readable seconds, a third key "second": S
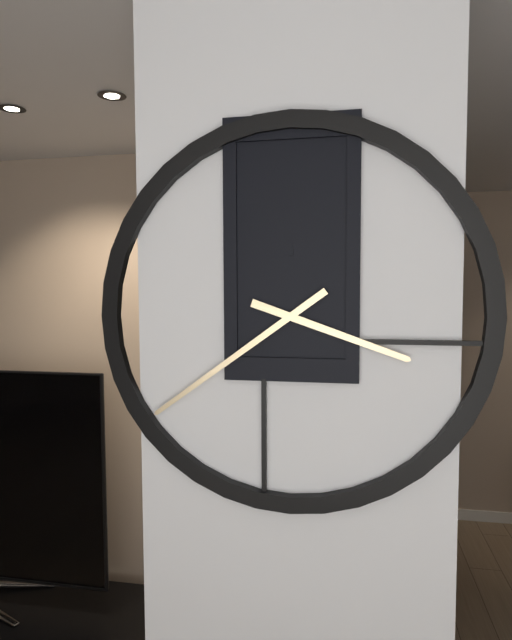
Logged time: {"hour": 3, "minute": 39}
